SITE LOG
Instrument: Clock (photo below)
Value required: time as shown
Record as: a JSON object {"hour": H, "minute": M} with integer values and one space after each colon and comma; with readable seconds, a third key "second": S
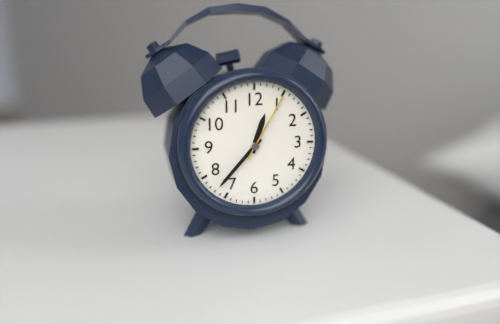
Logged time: {"hour": 12, "minute": 37, "second": 5}
